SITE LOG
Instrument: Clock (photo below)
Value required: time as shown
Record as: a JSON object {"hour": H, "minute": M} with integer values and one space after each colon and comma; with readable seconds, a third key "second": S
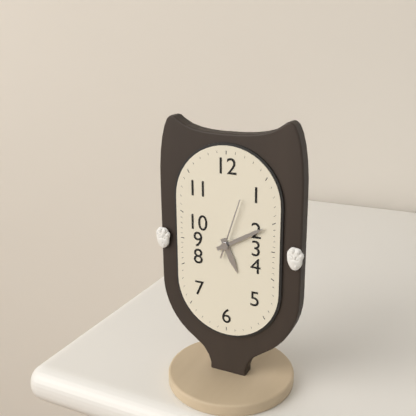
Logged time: {"hour": 5, "minute": 10, "second": 3}
